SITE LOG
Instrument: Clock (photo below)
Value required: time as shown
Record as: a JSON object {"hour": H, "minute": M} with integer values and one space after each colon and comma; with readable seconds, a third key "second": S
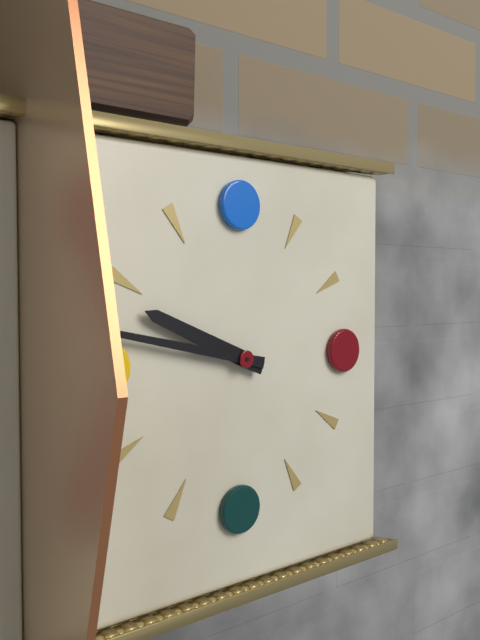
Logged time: {"hour": 9, "minute": 47}
